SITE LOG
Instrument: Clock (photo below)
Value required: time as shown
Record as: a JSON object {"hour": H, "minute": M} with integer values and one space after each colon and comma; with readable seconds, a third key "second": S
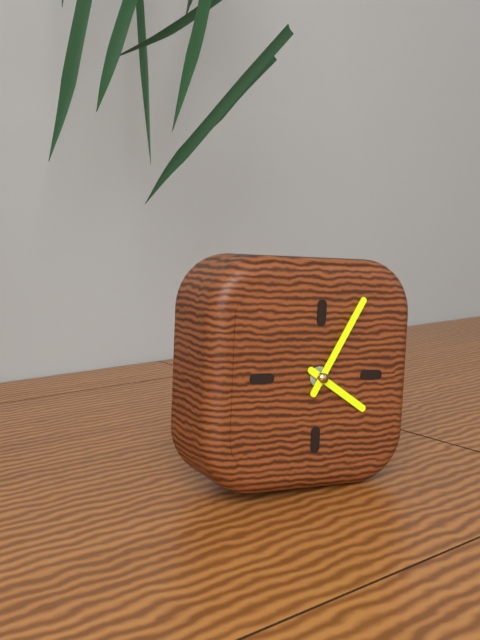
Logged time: {"hour": 4, "minute": 5}
